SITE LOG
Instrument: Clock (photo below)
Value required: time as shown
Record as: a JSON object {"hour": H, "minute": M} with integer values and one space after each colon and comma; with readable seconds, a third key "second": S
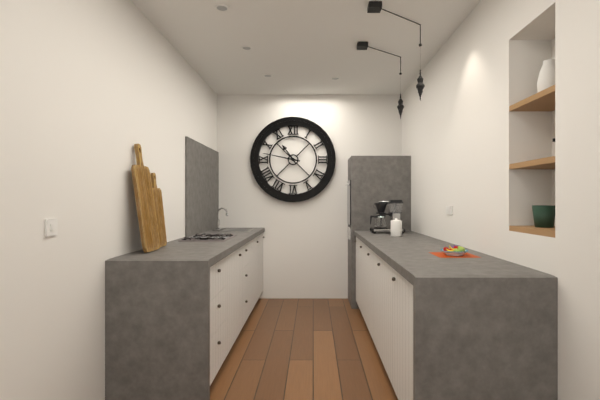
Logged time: {"hour": 10, "minute": 47}
